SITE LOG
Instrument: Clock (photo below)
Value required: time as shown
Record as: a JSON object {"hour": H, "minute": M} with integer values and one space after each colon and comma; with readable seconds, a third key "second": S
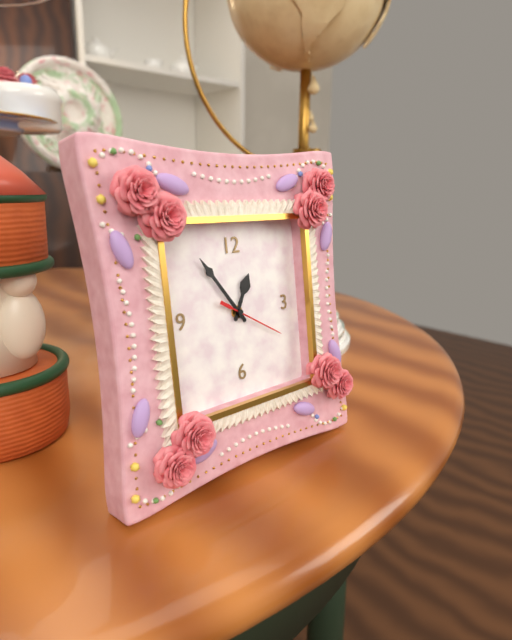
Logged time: {"hour": 12, "minute": 54, "second": 20}
